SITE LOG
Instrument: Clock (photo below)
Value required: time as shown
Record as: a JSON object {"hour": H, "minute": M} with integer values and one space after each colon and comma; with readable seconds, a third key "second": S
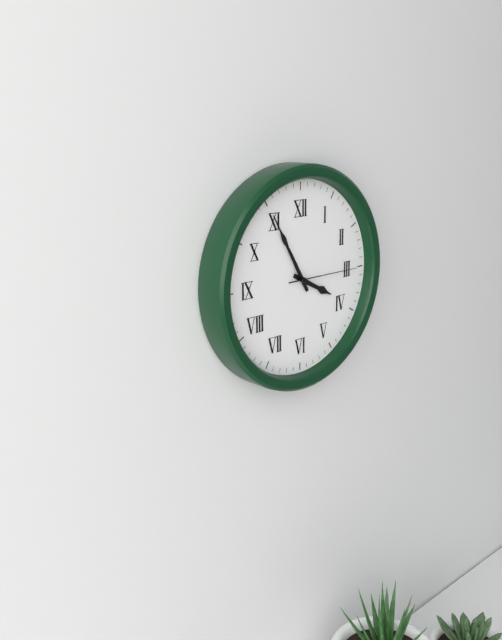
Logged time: {"hour": 3, "minute": 55, "second": 15}
